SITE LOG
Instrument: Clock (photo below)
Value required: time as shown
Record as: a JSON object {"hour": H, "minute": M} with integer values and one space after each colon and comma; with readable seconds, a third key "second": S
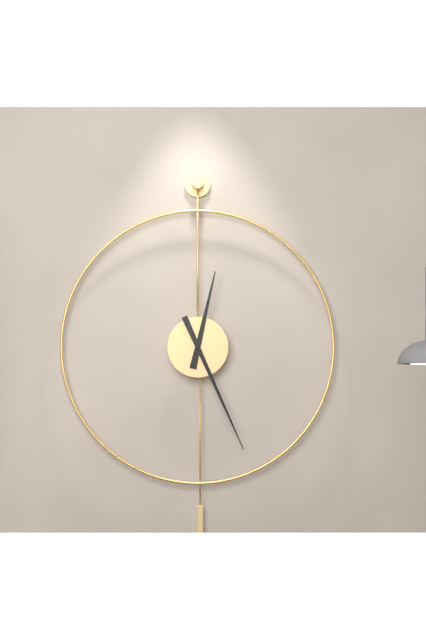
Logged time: {"hour": 12, "minute": 26}
